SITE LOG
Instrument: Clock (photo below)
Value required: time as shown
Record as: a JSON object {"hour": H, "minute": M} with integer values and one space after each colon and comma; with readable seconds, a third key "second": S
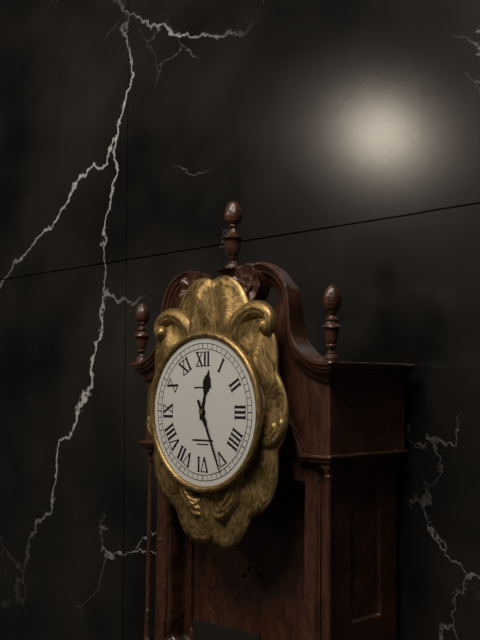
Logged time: {"hour": 12, "minute": 26}
